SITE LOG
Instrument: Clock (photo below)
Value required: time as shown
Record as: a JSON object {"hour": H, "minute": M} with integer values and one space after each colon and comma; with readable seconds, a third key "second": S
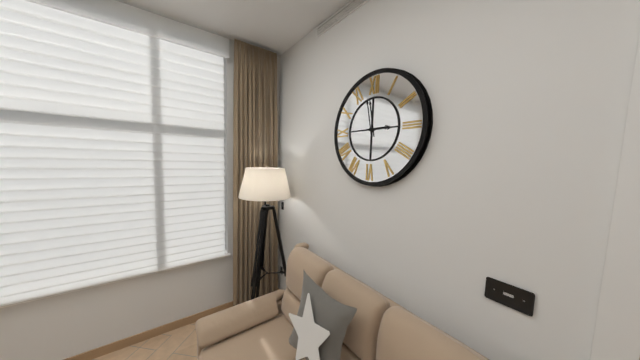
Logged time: {"hour": 2, "minute": 58}
